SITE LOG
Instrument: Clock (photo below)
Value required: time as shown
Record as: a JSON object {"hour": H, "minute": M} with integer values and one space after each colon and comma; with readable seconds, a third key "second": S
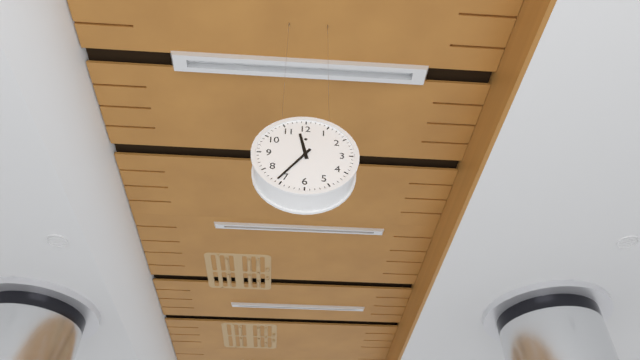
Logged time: {"hour": 11, "minute": 36}
